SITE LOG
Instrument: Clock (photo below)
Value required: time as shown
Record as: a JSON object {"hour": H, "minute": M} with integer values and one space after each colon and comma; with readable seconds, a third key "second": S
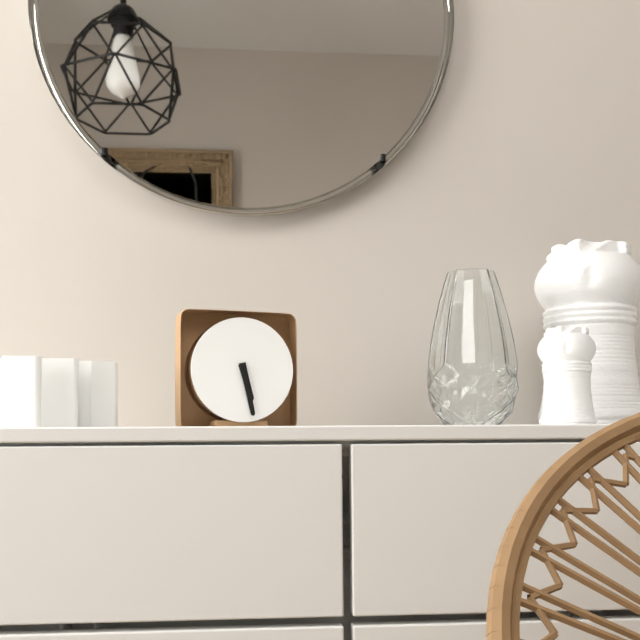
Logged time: {"hour": 5, "minute": 28}
